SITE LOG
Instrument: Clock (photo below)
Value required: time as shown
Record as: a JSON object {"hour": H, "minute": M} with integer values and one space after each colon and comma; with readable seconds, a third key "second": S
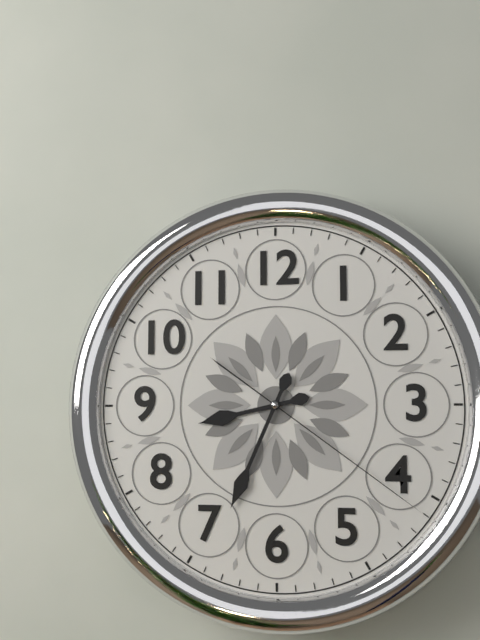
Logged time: {"hour": 8, "minute": 34, "second": 21}
